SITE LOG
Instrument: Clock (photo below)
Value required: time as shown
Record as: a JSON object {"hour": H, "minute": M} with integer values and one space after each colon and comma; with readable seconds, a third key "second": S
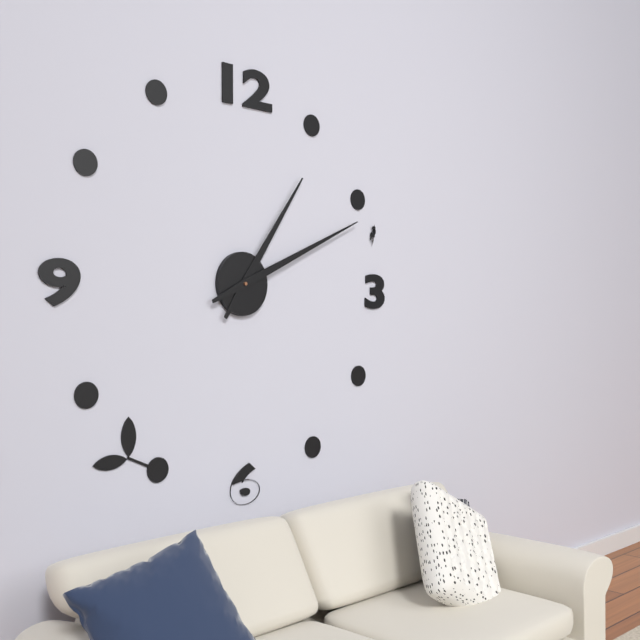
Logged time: {"hour": 1, "minute": 11}
